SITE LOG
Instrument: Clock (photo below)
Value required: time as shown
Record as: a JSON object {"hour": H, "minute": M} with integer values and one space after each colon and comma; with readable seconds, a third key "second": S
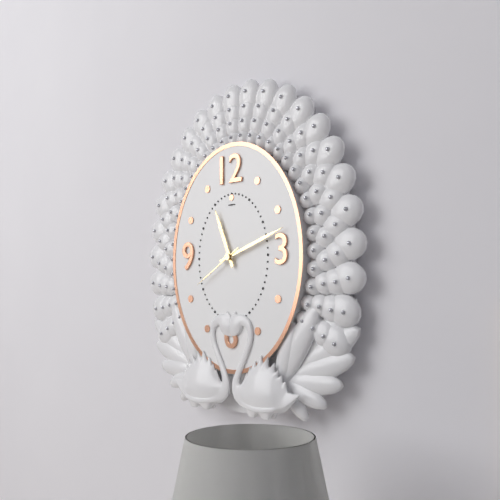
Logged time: {"hour": 11, "minute": 12, "second": 40}
